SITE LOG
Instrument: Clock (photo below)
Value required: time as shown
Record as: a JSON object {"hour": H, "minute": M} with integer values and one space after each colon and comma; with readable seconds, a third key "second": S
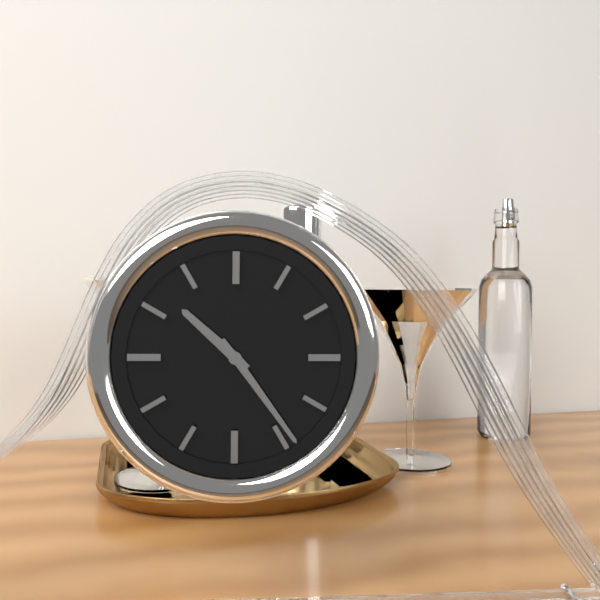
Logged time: {"hour": 10, "minute": 24}
